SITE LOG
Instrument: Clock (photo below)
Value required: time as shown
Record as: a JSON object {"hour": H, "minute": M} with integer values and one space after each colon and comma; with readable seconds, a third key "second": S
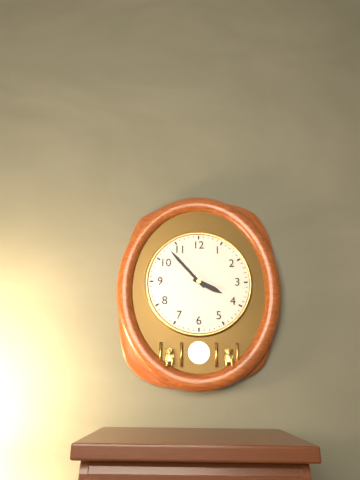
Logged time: {"hour": 3, "minute": 53}
